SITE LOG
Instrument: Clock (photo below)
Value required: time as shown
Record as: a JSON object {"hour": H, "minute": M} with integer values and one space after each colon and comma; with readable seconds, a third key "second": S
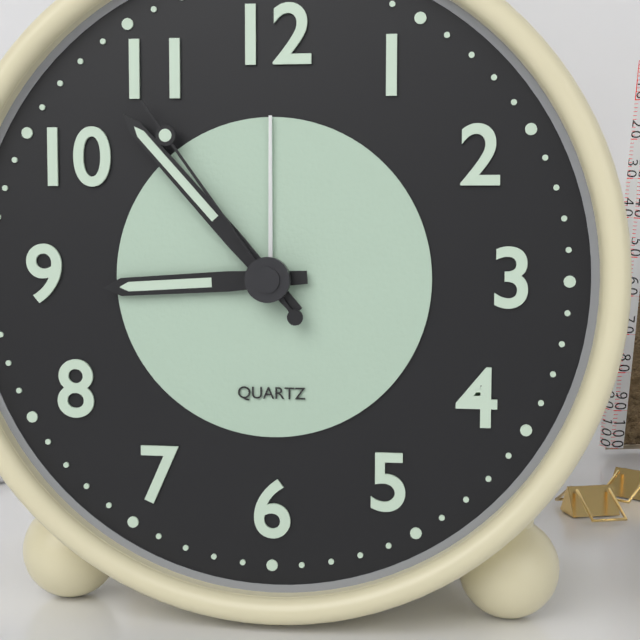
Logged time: {"hour": 8, "minute": 53, "second": 54}
